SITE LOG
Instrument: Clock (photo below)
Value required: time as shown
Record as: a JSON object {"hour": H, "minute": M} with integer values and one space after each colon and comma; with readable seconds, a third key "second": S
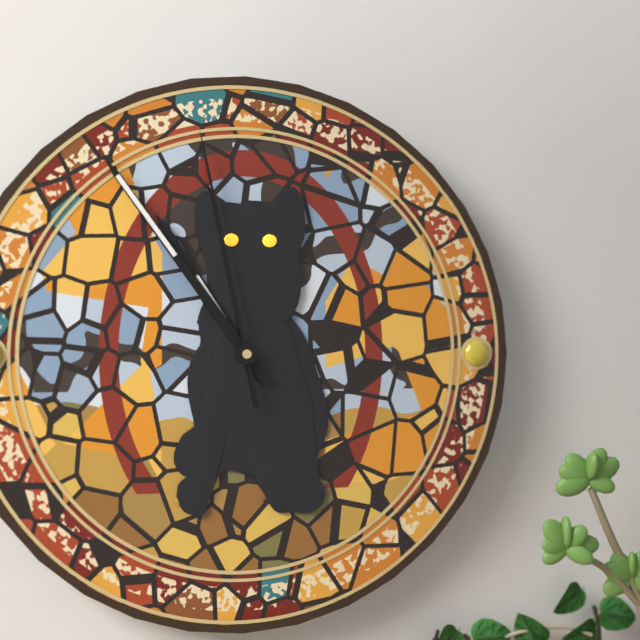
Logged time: {"hour": 10, "minute": 54, "second": 58}
